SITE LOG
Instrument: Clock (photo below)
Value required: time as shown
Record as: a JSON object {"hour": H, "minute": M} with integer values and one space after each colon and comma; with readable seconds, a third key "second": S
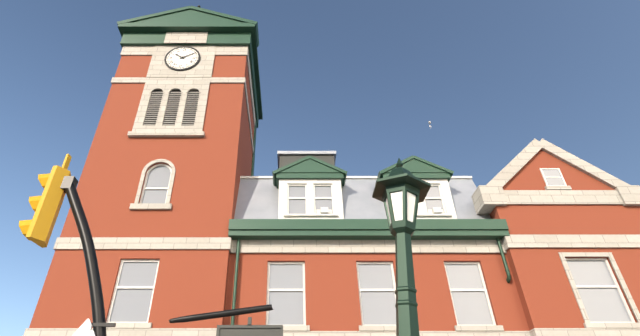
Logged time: {"hour": 10, "minute": 10}
